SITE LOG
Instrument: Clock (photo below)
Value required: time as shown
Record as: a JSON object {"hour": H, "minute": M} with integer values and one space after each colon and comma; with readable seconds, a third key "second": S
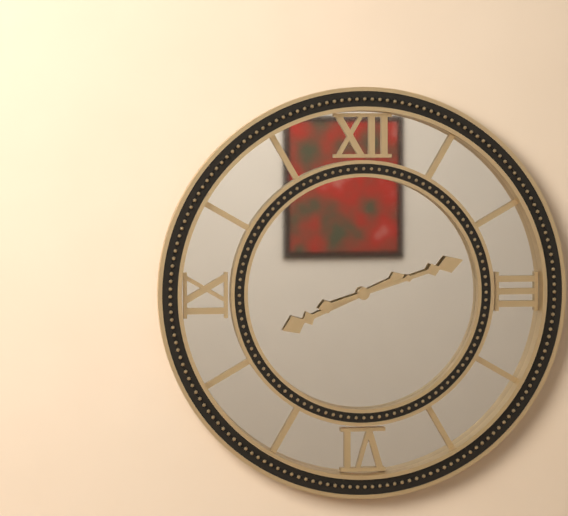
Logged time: {"hour": 8, "minute": 12}
